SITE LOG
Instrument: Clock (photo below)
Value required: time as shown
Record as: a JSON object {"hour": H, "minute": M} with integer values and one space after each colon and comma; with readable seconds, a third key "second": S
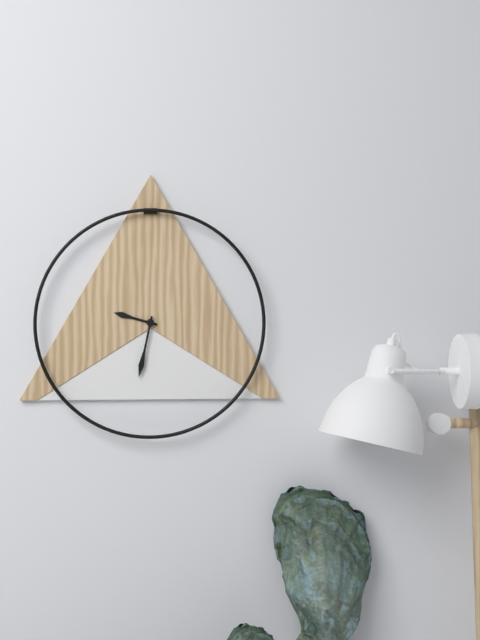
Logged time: {"hour": 9, "minute": 32}
